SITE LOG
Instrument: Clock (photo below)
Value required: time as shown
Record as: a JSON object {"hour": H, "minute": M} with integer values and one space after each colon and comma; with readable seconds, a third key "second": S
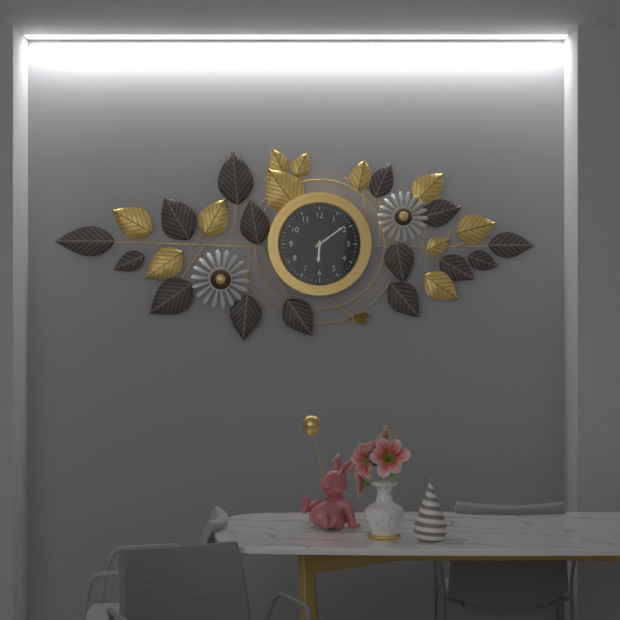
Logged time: {"hour": 6, "minute": 9}
